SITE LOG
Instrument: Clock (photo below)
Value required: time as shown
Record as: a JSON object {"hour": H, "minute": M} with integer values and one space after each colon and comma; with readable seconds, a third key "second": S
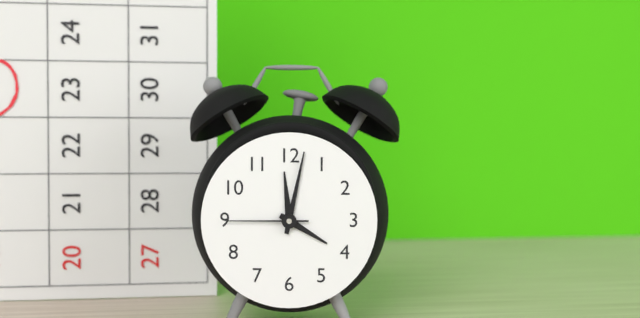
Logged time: {"hour": 4, "minute": 2, "second": 45}
